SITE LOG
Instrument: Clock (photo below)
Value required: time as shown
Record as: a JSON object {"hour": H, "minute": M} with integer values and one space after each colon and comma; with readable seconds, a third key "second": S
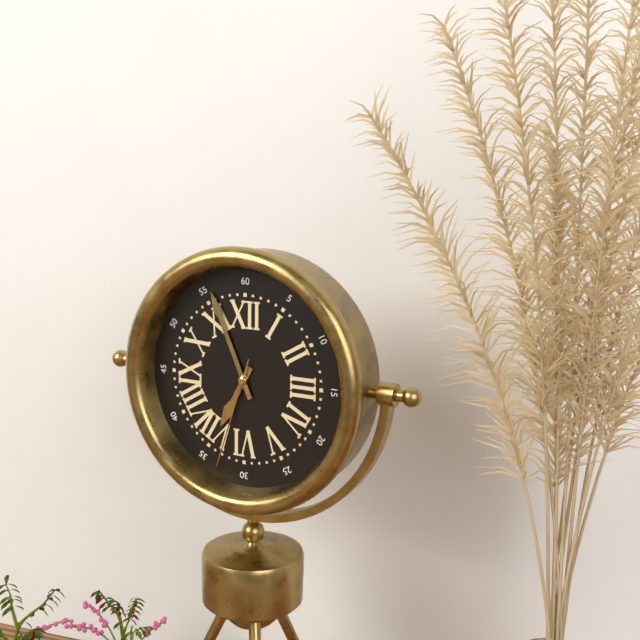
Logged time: {"hour": 6, "minute": 56, "second": 33}
